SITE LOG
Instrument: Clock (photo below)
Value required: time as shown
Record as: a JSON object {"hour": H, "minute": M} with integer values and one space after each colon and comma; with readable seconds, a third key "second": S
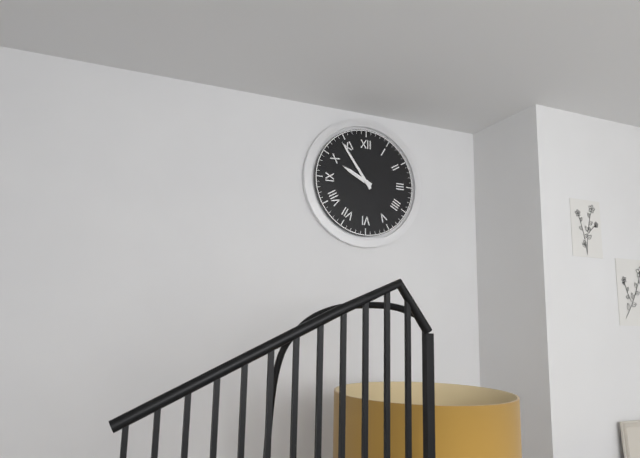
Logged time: {"hour": 9, "minute": 54}
